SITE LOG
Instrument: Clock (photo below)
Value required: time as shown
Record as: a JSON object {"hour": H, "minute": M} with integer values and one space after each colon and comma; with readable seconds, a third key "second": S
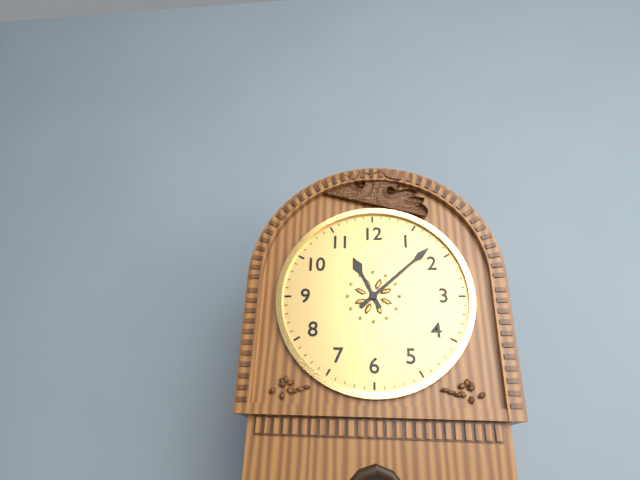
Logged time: {"hour": 11, "minute": 8}
